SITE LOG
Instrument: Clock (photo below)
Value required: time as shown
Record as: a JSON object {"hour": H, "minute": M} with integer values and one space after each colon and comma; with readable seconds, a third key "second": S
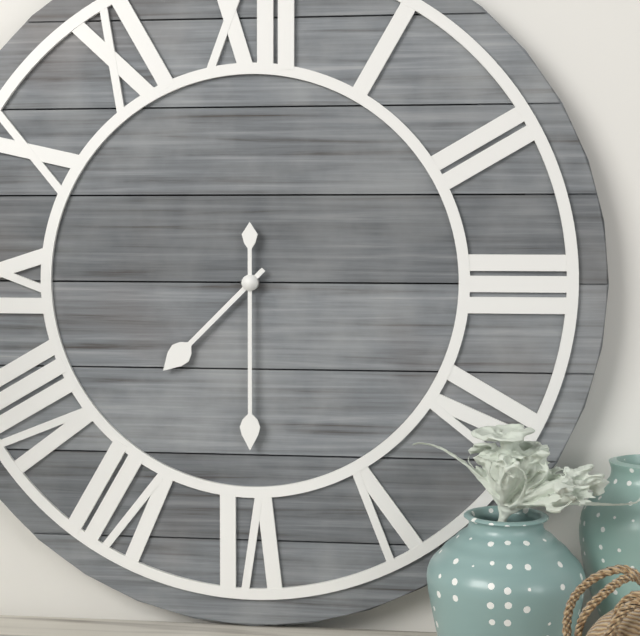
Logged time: {"hour": 7, "minute": 30}
